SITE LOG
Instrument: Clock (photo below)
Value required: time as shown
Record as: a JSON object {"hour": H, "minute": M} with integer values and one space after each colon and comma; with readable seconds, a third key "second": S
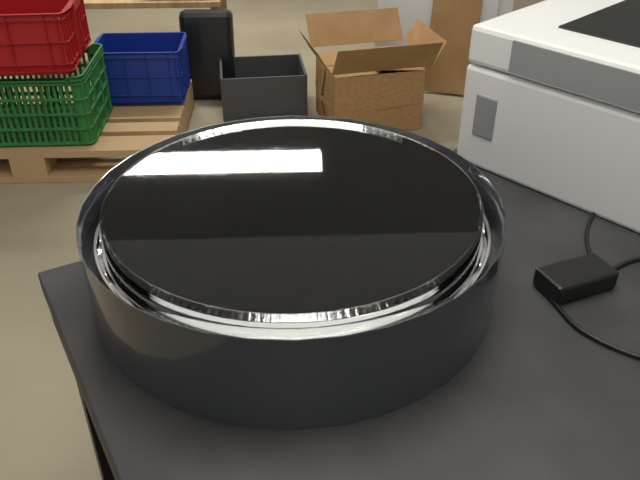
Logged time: {"hour": 11, "minute": 39}
